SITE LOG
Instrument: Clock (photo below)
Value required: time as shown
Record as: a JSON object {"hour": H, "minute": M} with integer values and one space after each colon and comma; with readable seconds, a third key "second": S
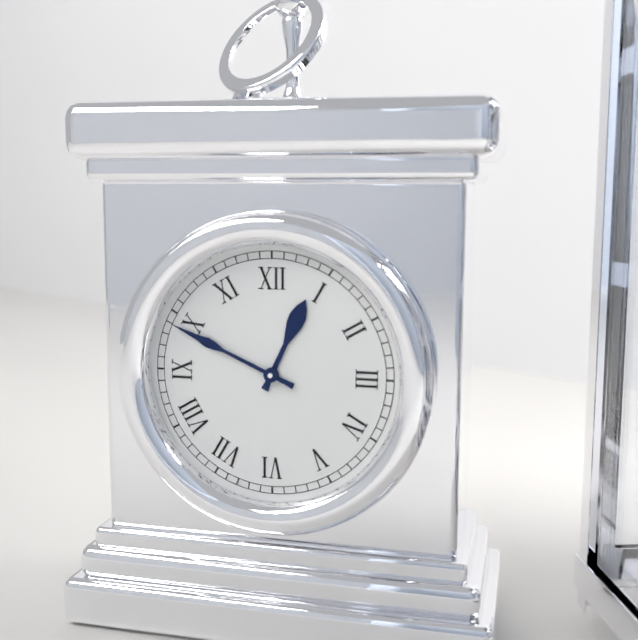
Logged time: {"hour": 12, "minute": 49}
